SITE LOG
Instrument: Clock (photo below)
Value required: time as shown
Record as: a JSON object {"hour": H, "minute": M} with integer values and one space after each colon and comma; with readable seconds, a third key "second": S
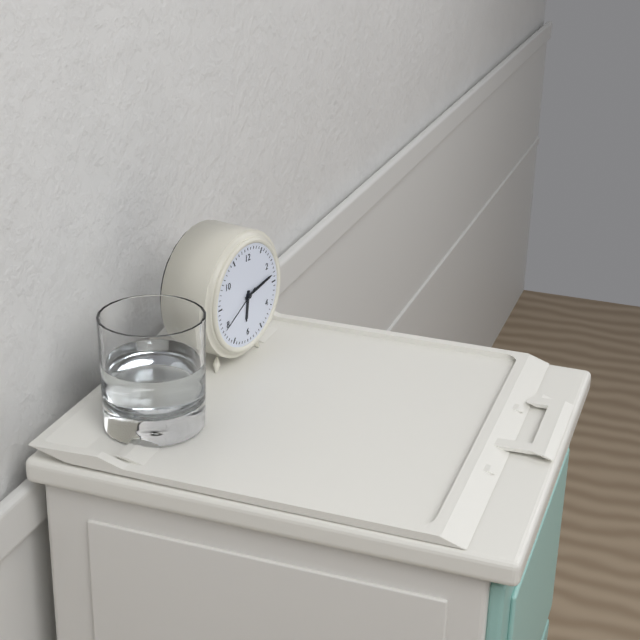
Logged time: {"hour": 6, "minute": 13, "second": 40}
